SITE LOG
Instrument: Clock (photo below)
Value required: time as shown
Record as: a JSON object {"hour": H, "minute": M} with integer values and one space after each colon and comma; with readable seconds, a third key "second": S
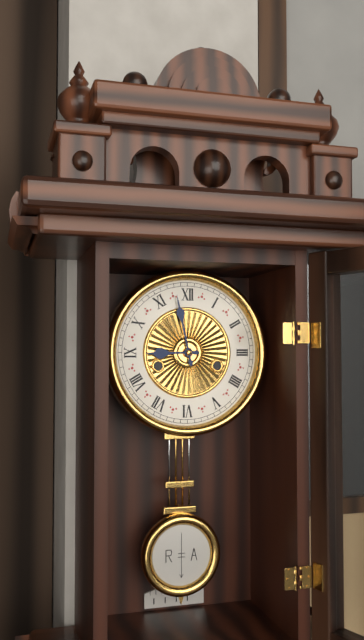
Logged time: {"hour": 8, "minute": 58}
